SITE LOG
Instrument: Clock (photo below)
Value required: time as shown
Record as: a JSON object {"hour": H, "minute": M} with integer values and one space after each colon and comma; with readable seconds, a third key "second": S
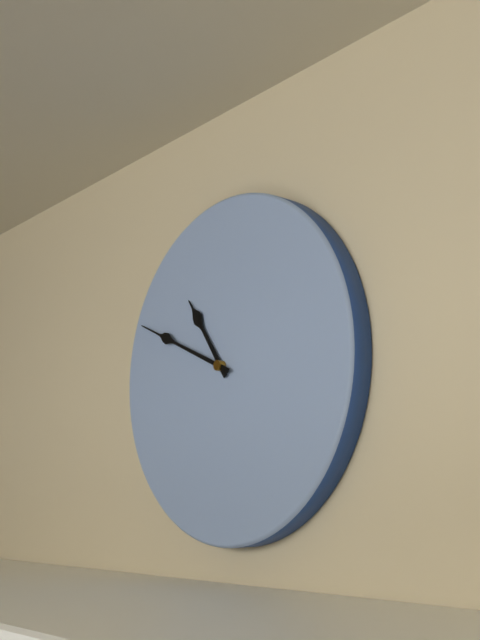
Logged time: {"hour": 10, "minute": 49}
